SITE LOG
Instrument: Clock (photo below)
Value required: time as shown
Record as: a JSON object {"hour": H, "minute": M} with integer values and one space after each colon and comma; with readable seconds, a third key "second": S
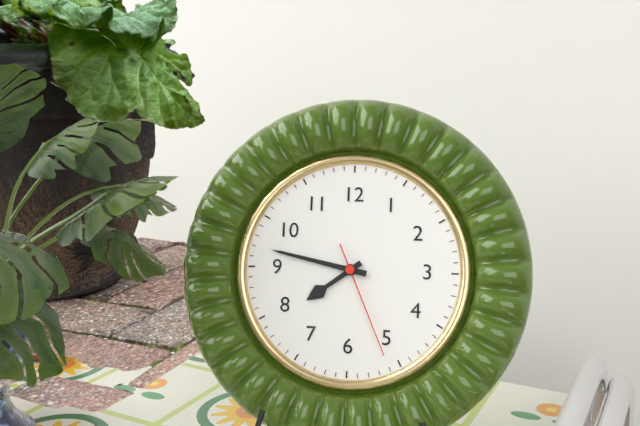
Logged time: {"hour": 7, "minute": 47, "second": 26}
